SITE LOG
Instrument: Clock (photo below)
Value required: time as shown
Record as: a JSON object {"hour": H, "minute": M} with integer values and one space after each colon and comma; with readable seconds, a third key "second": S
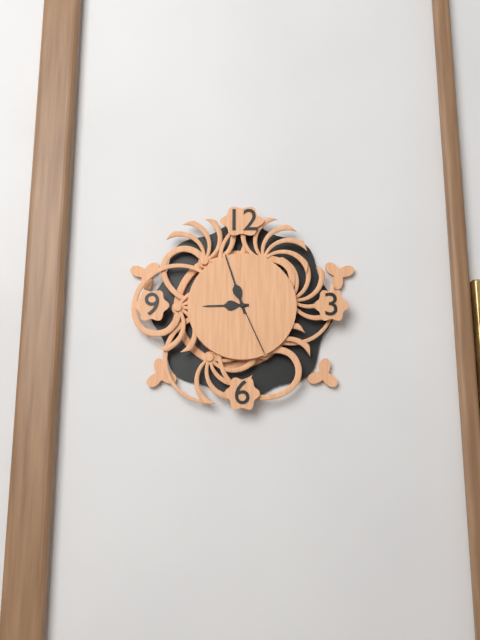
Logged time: {"hour": 8, "minute": 57, "second": 26}
